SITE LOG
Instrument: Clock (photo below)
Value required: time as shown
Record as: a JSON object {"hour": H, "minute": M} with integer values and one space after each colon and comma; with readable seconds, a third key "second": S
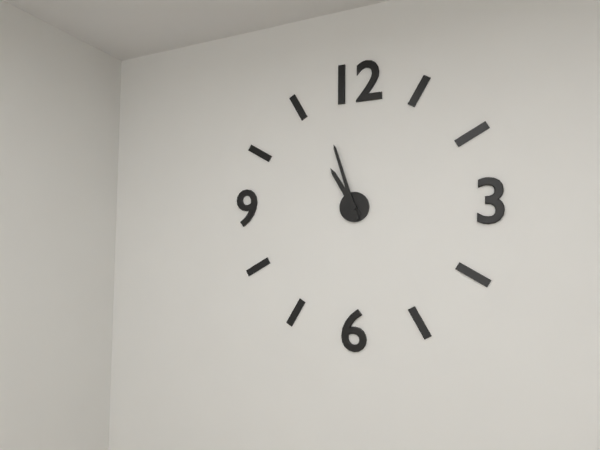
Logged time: {"hour": 10, "minute": 57}
